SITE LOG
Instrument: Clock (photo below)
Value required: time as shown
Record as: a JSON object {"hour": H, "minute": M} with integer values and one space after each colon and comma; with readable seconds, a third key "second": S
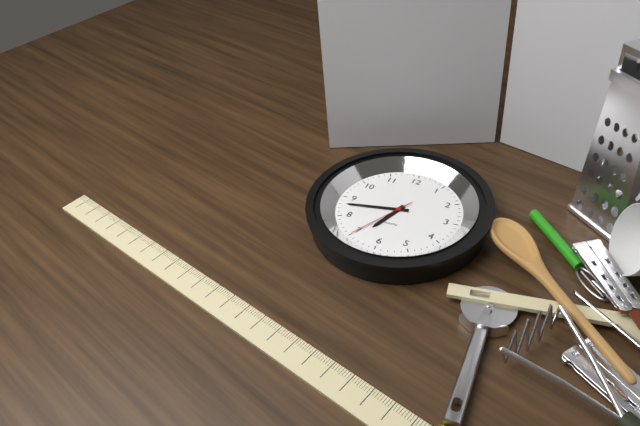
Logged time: {"hour": 6, "minute": 43, "second": 35}
